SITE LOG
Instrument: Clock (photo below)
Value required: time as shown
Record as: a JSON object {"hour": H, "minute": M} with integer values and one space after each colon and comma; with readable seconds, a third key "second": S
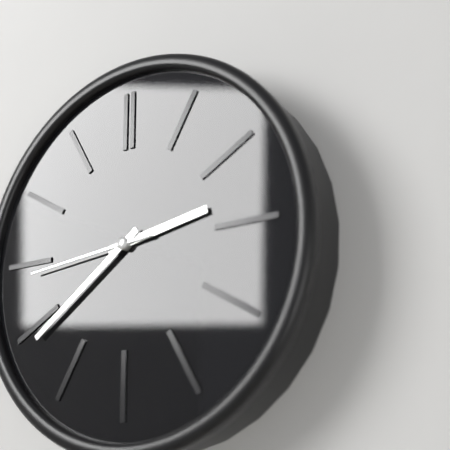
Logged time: {"hour": 2, "minute": 39, "second": 44}
